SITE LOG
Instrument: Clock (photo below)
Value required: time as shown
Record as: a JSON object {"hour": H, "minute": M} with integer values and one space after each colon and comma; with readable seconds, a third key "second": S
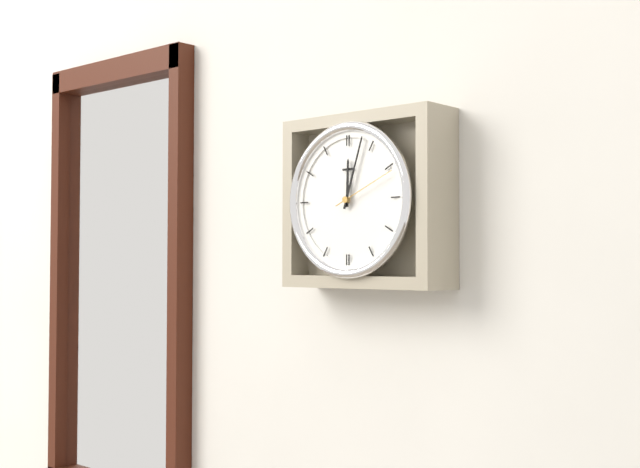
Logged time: {"hour": 12, "minute": 3, "second": 11}
